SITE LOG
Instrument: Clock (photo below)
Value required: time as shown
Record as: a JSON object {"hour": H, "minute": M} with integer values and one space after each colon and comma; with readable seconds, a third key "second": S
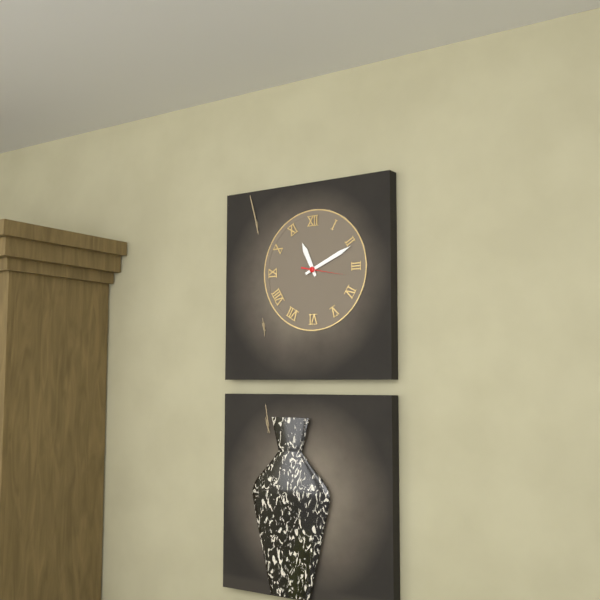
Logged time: {"hour": 11, "minute": 11}
